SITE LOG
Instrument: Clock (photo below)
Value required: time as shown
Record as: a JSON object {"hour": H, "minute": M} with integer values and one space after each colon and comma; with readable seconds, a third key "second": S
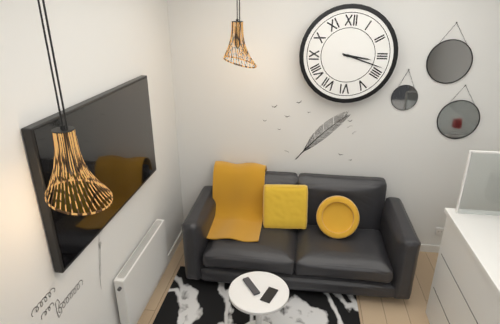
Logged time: {"hour": 3, "minute": 18}
